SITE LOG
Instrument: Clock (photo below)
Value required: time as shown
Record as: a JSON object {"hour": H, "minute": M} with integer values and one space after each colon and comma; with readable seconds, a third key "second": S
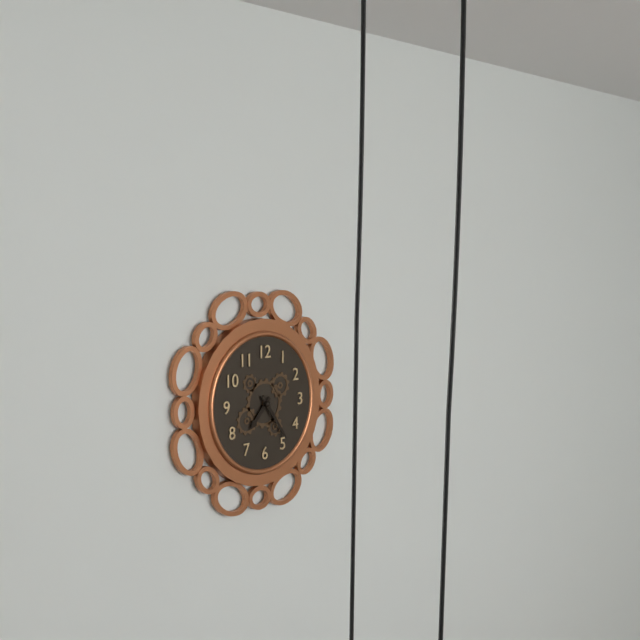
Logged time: {"hour": 7, "minute": 24}
